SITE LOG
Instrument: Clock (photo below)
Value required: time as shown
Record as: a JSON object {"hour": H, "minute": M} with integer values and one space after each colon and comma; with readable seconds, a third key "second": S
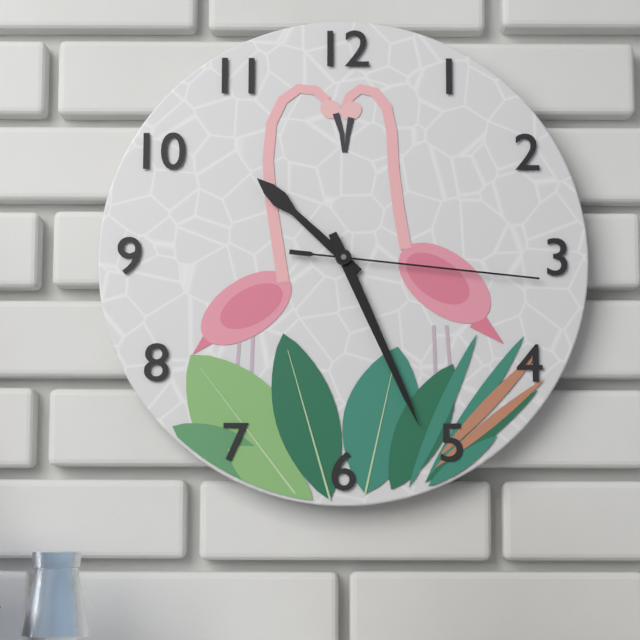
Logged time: {"hour": 10, "minute": 26, "second": 16}
